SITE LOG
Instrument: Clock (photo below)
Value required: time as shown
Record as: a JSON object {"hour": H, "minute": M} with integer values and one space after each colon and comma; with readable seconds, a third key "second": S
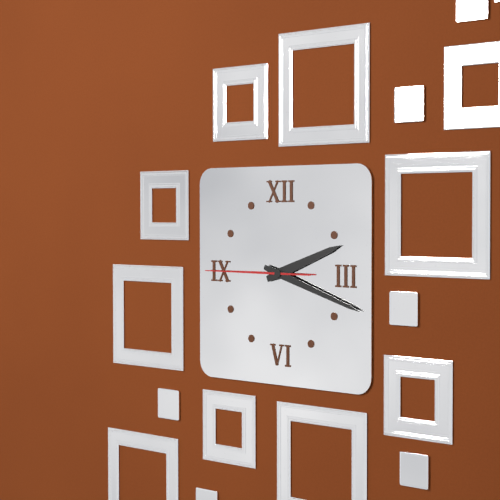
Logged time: {"hour": 2, "minute": 18, "second": 45}
